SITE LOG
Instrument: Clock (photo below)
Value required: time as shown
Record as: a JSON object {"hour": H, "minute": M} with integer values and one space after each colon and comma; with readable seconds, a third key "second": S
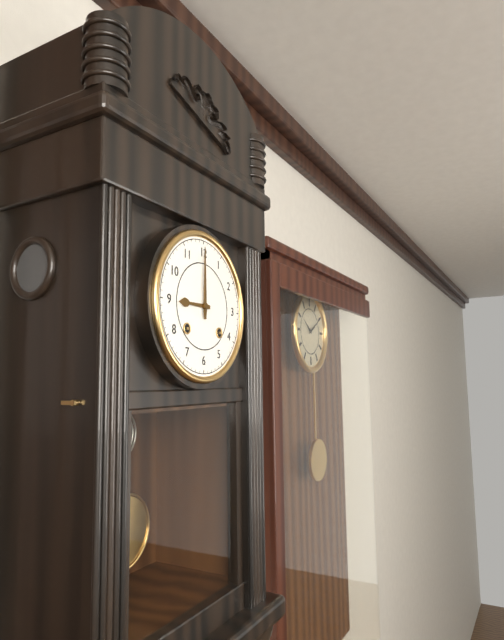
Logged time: {"hour": 9, "minute": 0}
